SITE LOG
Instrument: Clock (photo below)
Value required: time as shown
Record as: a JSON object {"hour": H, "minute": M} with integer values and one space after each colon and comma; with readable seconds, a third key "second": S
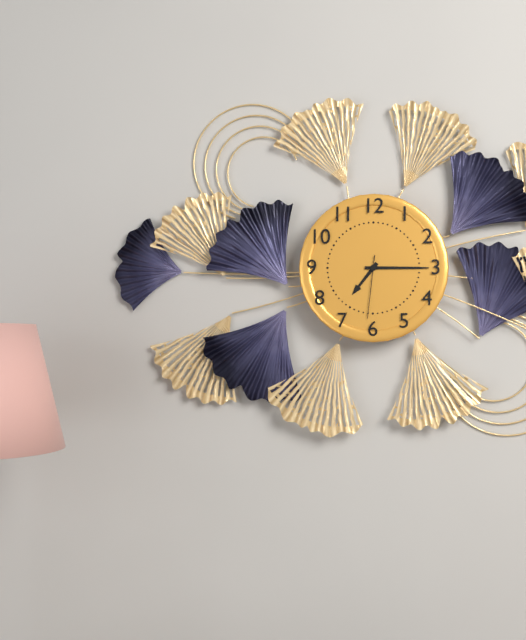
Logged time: {"hour": 7, "minute": 15, "second": 31}
